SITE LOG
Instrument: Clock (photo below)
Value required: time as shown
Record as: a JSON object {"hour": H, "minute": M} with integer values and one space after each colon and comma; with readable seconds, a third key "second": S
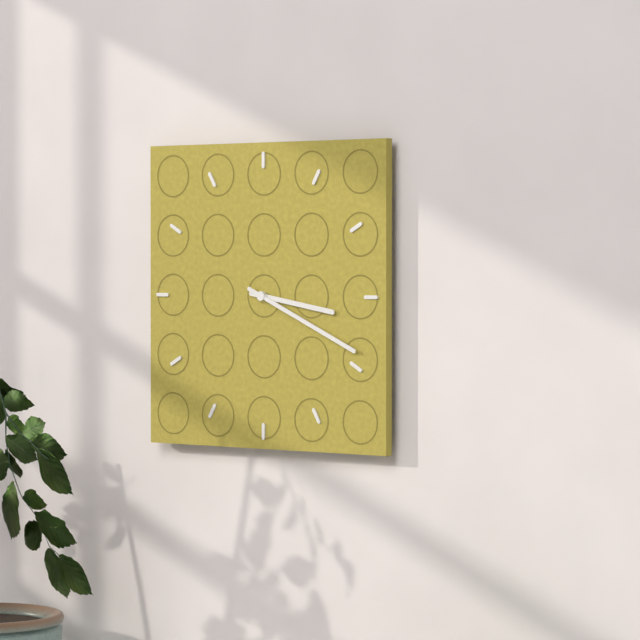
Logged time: {"hour": 3, "minute": 19}
